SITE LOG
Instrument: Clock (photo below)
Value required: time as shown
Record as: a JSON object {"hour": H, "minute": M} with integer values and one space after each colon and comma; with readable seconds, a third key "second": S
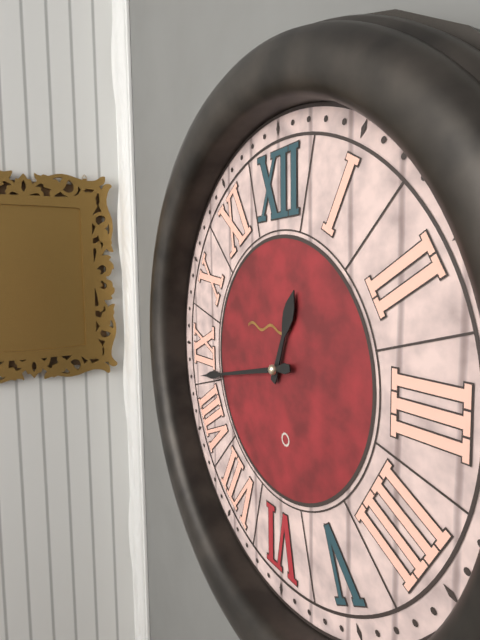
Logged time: {"hour": 12, "minute": 43}
